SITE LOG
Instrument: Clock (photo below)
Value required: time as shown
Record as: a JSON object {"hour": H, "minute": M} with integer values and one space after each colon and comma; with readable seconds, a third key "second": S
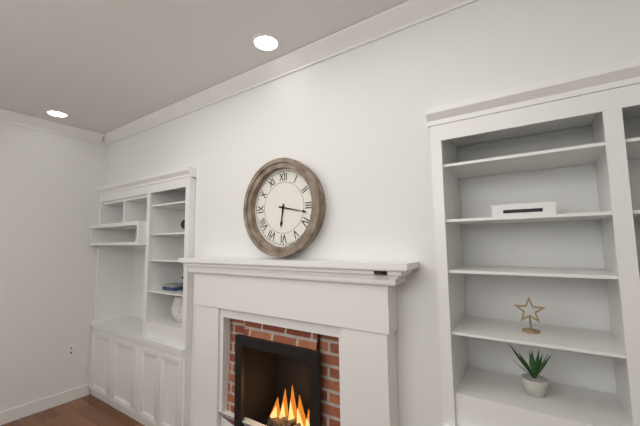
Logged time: {"hour": 6, "minute": 17}
